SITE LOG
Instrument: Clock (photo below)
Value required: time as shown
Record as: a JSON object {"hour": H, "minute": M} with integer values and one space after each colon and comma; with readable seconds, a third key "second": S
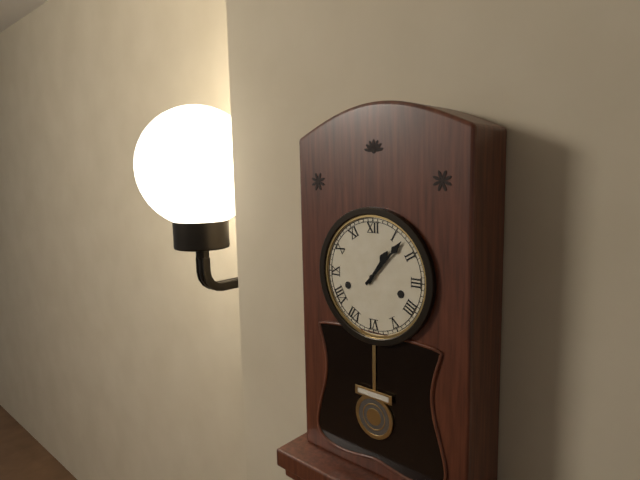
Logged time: {"hour": 1, "minute": 7}
